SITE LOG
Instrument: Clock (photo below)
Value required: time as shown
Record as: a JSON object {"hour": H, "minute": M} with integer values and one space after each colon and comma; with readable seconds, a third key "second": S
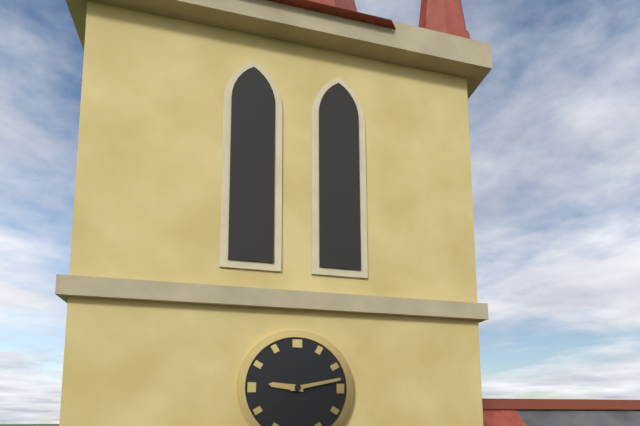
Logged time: {"hour": 9, "minute": 13}
